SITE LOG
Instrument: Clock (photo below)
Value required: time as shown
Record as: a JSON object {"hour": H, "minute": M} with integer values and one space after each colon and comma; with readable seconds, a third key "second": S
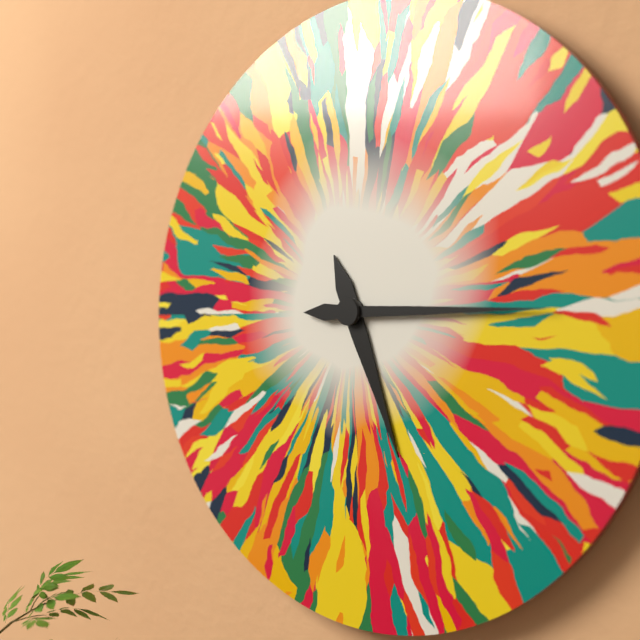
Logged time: {"hour": 5, "minute": 15}
